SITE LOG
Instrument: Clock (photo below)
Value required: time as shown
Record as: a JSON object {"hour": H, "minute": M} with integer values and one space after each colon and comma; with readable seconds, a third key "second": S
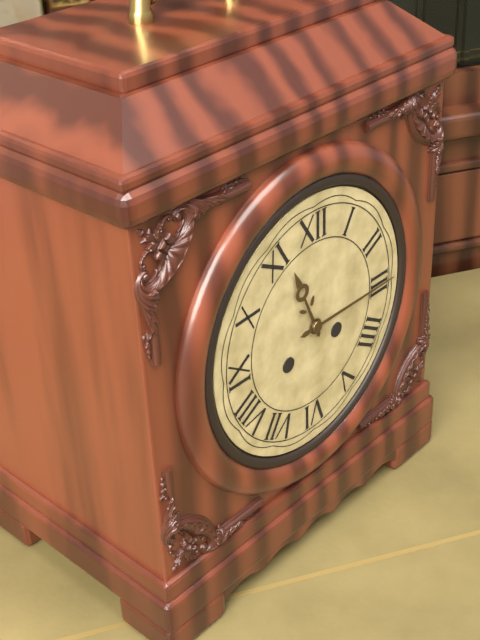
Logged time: {"hour": 11, "minute": 15}
